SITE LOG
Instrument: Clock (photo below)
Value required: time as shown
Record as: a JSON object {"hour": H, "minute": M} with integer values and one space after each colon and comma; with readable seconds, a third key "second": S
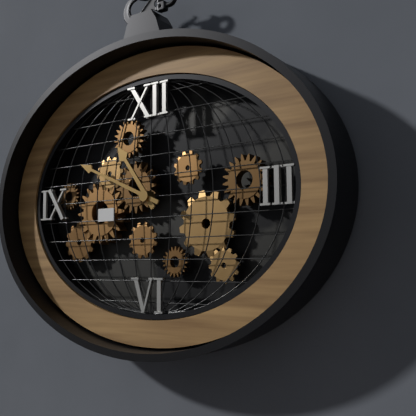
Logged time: {"hour": 10, "minute": 49}
